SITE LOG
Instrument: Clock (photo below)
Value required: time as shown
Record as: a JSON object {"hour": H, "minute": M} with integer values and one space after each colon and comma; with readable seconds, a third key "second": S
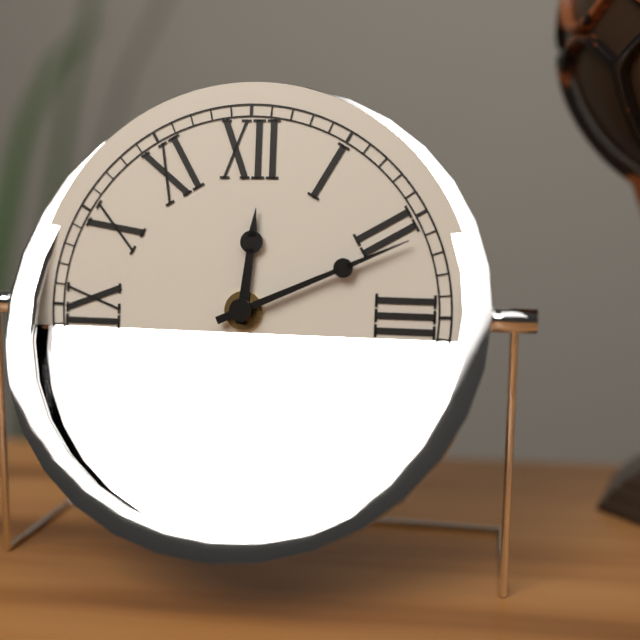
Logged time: {"hour": 12, "minute": 11}
